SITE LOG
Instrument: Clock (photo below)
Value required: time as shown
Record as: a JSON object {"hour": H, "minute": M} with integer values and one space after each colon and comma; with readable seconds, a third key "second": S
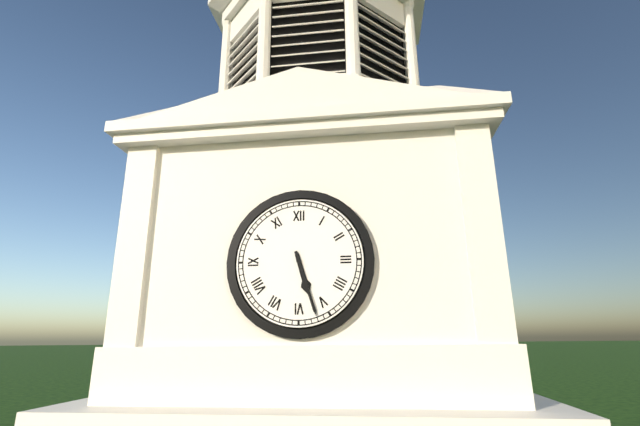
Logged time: {"hour": 5, "minute": 27}
